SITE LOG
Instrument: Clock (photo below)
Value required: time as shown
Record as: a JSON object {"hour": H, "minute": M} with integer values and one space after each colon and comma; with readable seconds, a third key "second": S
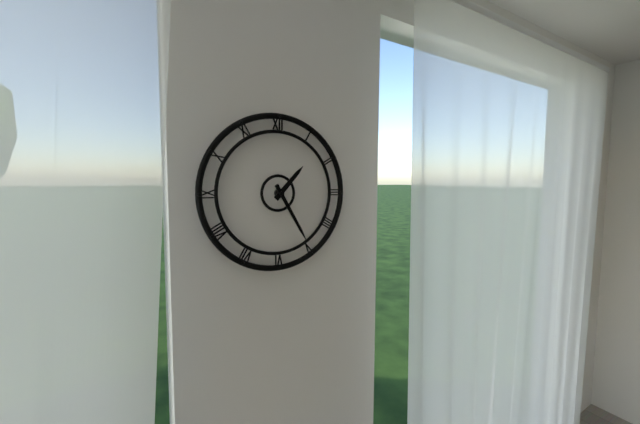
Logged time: {"hour": 1, "minute": 25}
